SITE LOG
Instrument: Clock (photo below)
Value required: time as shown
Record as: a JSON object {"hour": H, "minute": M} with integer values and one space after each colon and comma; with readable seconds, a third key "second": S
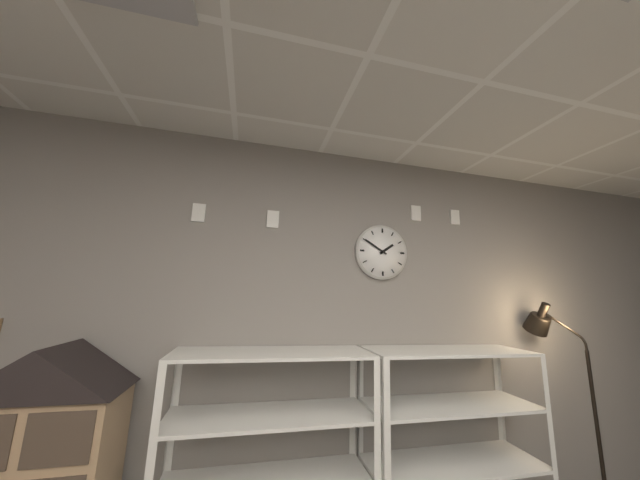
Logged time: {"hour": 1, "minute": 50}
